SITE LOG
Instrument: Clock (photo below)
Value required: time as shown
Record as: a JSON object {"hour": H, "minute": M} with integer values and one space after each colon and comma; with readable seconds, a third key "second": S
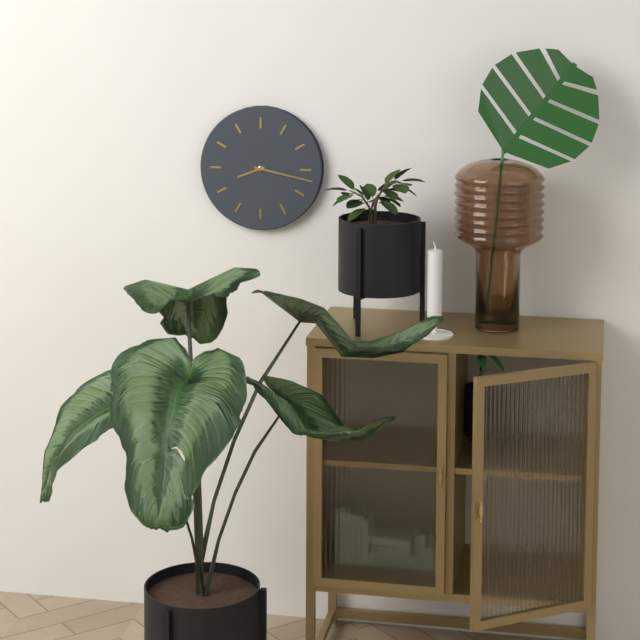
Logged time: {"hour": 8, "minute": 17}
